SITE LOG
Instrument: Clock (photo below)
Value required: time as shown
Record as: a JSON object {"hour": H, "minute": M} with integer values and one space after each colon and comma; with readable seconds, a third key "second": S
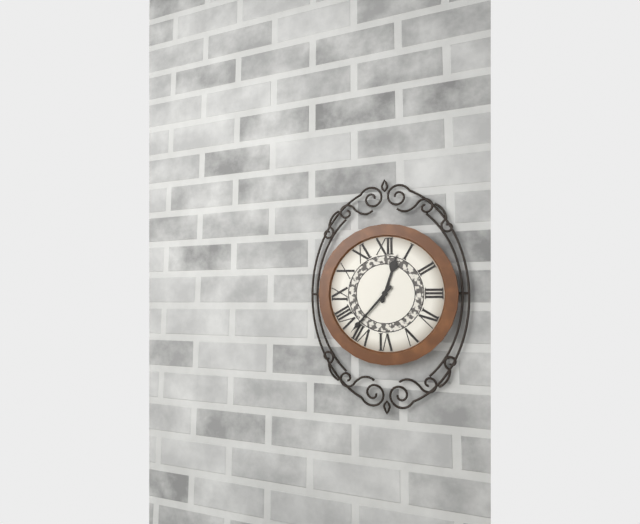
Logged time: {"hour": 12, "minute": 37}
